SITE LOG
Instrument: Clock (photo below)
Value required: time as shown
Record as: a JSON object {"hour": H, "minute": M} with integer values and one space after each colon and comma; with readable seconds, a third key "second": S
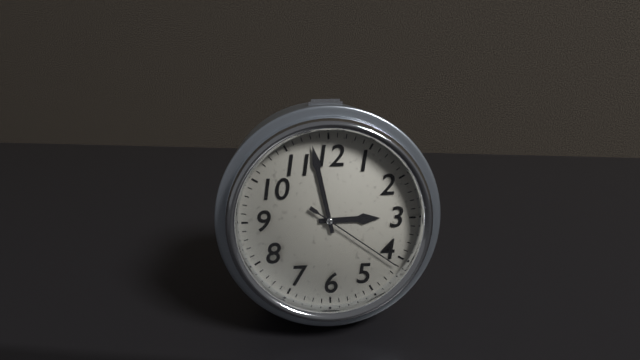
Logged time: {"hour": 2, "minute": 58, "second": 21}
